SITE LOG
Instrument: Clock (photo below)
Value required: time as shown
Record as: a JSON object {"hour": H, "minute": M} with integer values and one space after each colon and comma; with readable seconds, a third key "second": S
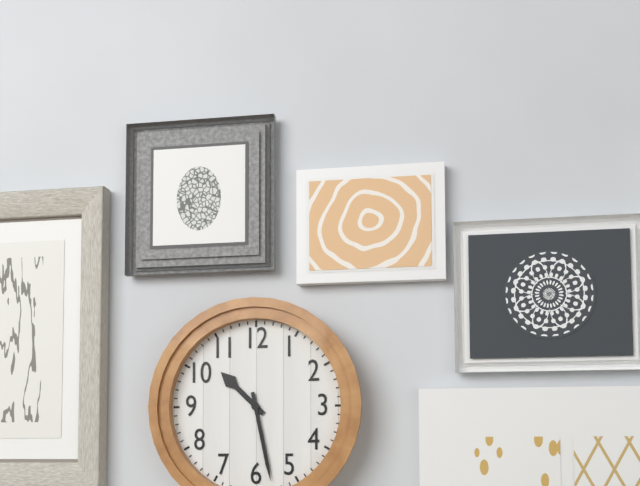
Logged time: {"hour": 10, "minute": 28}
